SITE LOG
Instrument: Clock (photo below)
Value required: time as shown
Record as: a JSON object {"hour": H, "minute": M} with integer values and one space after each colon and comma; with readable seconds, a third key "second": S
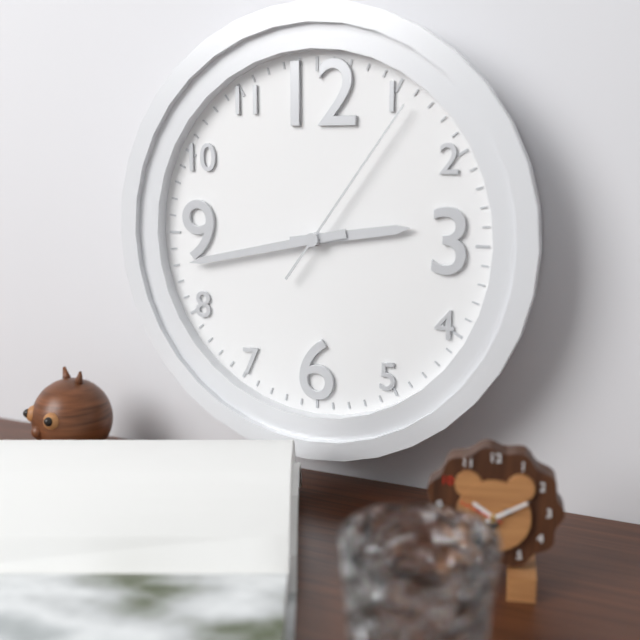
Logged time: {"hour": 2, "minute": 43, "second": 6}
